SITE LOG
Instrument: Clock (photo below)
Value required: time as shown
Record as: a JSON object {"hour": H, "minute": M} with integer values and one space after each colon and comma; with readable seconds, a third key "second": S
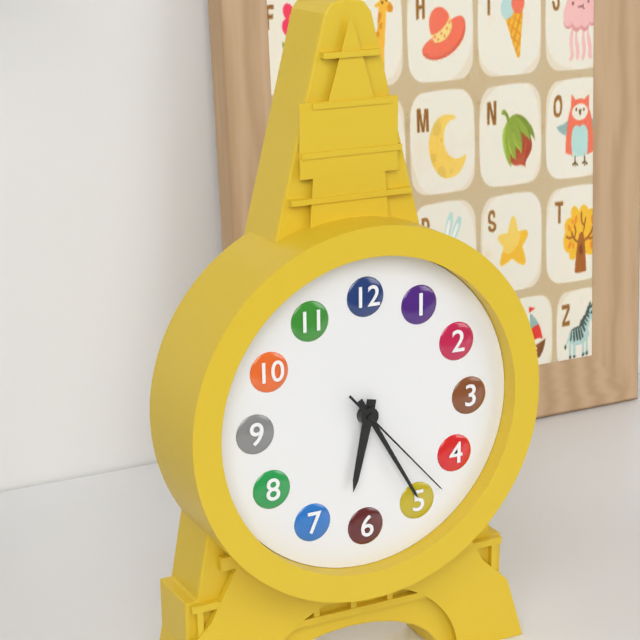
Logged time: {"hour": 6, "minute": 25, "second": 23}
